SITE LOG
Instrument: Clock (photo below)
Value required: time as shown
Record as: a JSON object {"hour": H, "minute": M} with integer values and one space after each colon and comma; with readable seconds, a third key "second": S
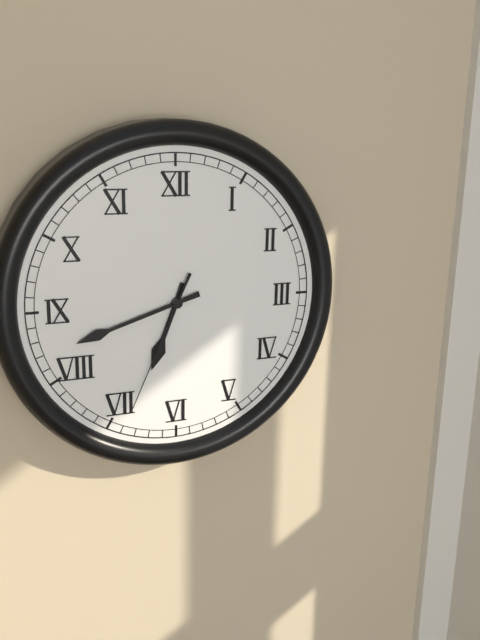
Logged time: {"hour": 6, "minute": 42, "second": 34}
